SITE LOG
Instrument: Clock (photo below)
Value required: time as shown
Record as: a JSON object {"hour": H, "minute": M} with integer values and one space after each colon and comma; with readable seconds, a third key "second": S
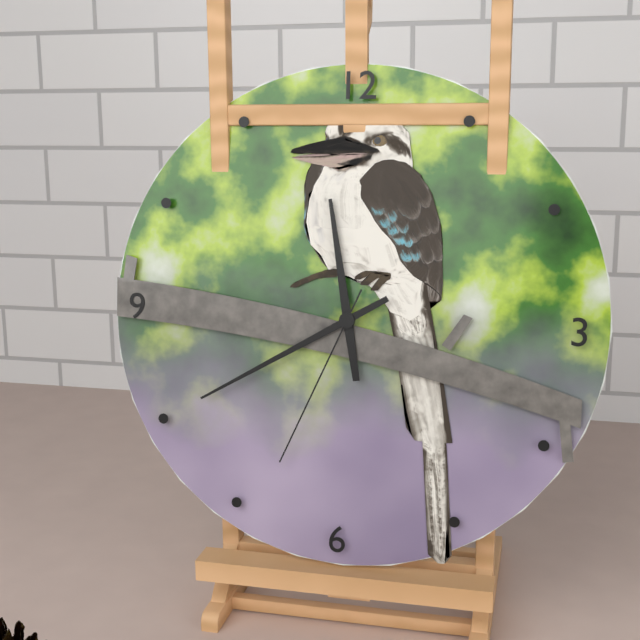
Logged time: {"hour": 11, "minute": 40, "second": 34}
